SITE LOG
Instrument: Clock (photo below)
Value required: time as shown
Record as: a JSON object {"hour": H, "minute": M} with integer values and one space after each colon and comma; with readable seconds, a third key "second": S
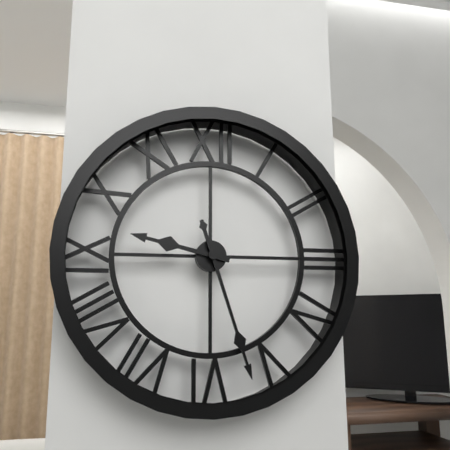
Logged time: {"hour": 9, "minute": 27}
